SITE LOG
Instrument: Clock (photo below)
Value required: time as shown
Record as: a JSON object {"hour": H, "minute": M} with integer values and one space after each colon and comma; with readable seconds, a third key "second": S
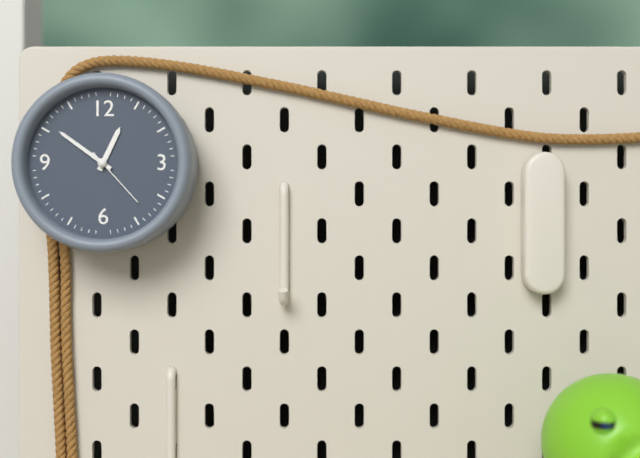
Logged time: {"hour": 12, "minute": 51, "second": 23}
